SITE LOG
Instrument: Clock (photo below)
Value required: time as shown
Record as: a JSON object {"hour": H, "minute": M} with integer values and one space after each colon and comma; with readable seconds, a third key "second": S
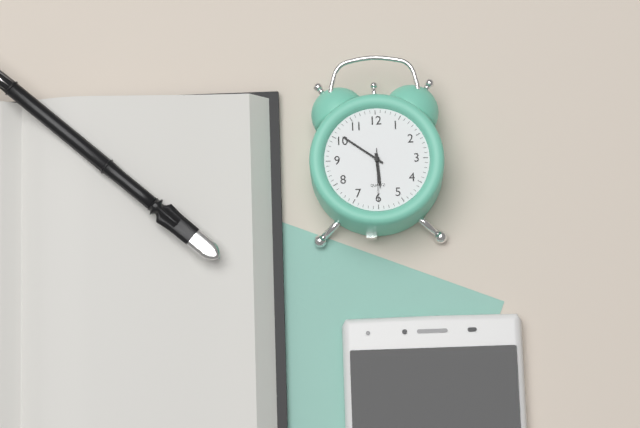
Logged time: {"hour": 5, "minute": 51, "second": 30}
